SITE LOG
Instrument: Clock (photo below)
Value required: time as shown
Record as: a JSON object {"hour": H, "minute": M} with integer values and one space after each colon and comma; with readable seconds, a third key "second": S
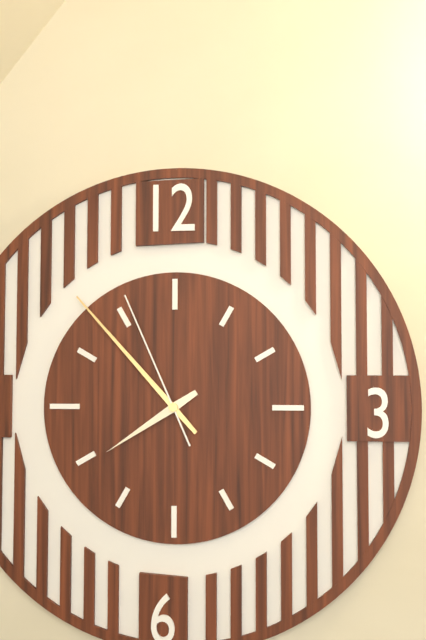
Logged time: {"hour": 7, "minute": 53, "second": 56}
